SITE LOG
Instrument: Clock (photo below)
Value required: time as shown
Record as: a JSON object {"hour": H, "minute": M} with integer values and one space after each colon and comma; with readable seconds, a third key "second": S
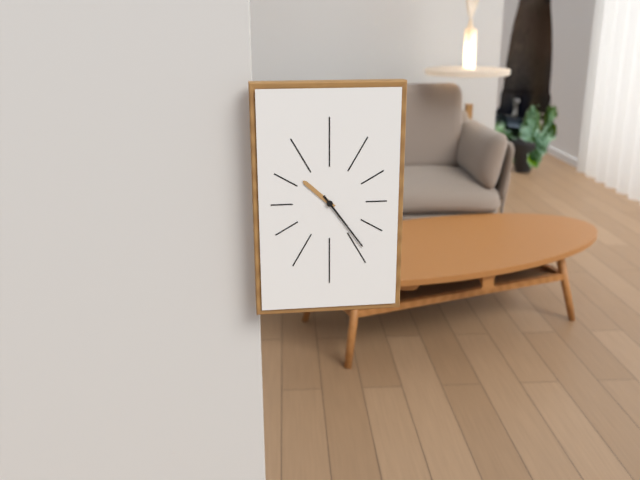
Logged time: {"hour": 10, "minute": 24}
